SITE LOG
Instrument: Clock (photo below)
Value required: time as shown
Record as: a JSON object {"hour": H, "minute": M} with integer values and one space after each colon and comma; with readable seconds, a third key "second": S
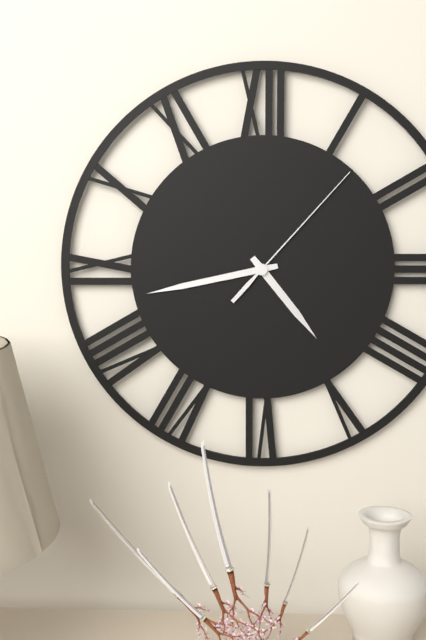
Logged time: {"hour": 4, "minute": 43, "second": 7}
